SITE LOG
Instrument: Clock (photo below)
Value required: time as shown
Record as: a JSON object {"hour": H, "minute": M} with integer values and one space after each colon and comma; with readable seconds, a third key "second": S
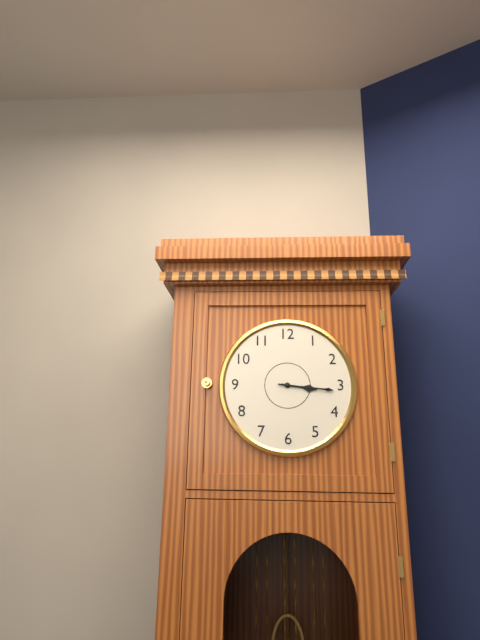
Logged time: {"hour": 3, "minute": 16}
